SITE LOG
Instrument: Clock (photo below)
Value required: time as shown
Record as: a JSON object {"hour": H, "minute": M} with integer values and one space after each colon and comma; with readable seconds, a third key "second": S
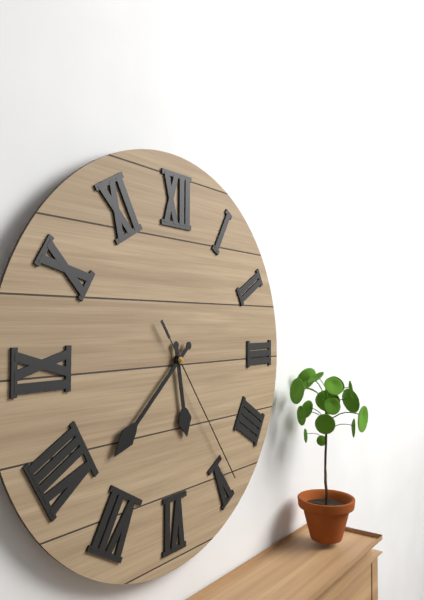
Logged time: {"hour": 5, "minute": 38, "second": 24}
